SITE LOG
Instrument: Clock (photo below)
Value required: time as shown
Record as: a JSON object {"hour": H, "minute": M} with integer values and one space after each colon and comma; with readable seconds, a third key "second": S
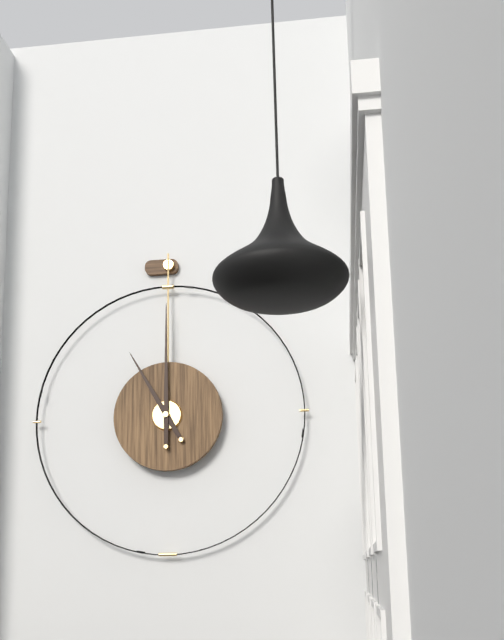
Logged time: {"hour": 11, "minute": 0}
